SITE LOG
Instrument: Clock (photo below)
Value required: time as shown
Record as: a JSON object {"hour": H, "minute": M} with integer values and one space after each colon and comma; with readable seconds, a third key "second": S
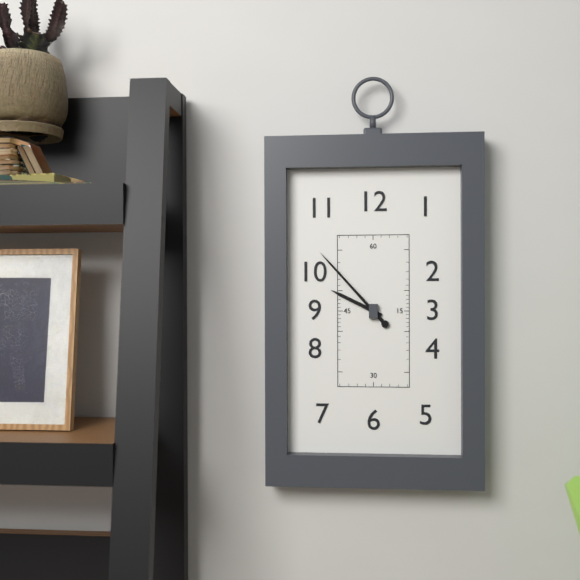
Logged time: {"hour": 9, "minute": 53}
